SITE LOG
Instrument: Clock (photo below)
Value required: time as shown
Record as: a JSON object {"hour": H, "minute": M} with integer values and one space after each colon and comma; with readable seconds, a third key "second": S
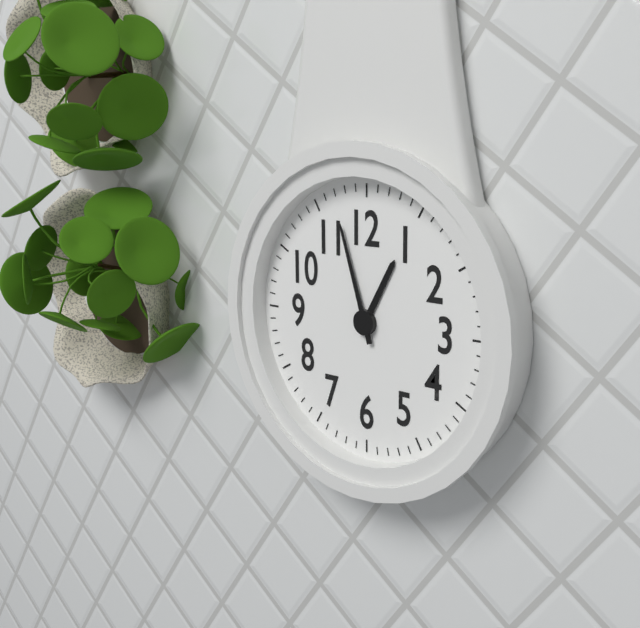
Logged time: {"hour": 12, "minute": 57}
